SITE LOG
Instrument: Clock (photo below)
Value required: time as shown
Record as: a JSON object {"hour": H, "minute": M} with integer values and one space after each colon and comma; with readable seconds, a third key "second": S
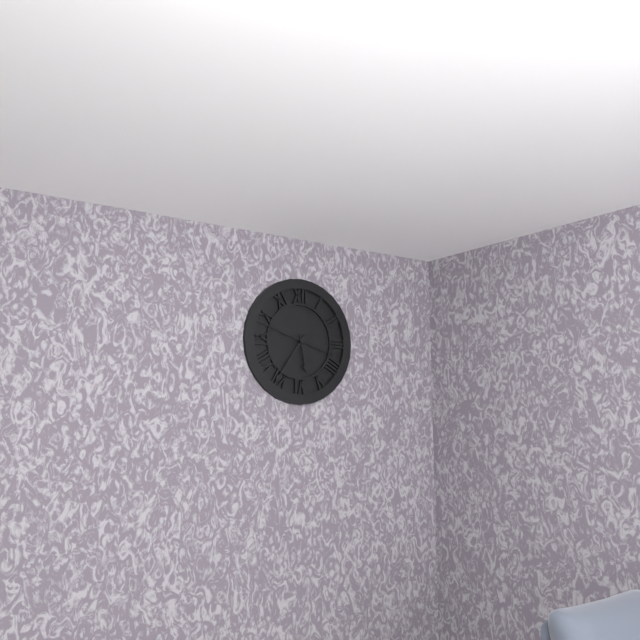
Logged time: {"hour": 5, "minute": 36, "second": 48}
